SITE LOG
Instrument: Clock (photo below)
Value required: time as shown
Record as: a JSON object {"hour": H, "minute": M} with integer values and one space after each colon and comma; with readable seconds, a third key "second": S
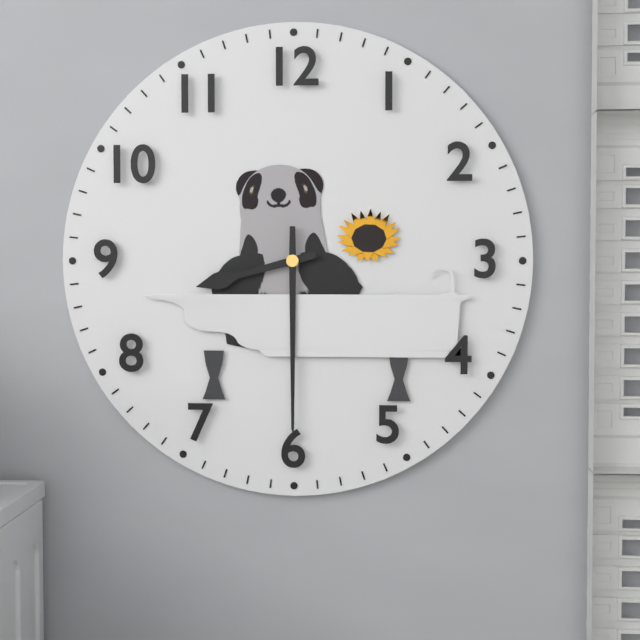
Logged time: {"hour": 8, "minute": 30}
